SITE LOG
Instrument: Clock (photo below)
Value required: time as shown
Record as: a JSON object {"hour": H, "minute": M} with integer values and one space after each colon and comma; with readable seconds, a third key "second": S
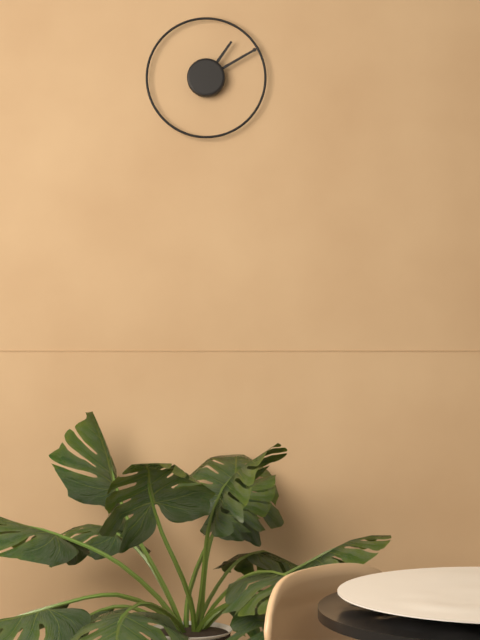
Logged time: {"hour": 1, "minute": 10}
